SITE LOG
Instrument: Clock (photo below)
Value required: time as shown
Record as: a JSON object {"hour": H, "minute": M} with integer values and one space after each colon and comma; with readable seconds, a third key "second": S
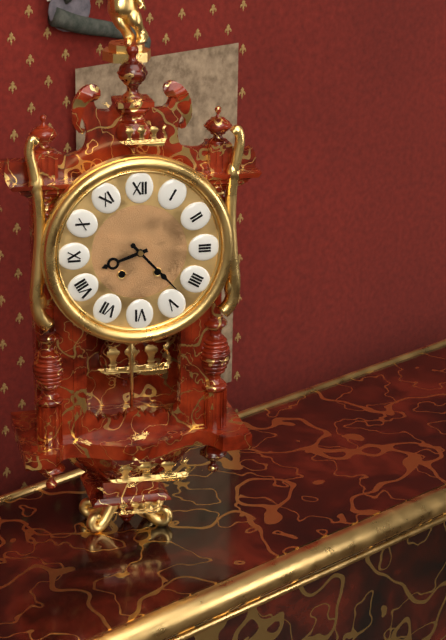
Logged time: {"hour": 8, "minute": 23}
